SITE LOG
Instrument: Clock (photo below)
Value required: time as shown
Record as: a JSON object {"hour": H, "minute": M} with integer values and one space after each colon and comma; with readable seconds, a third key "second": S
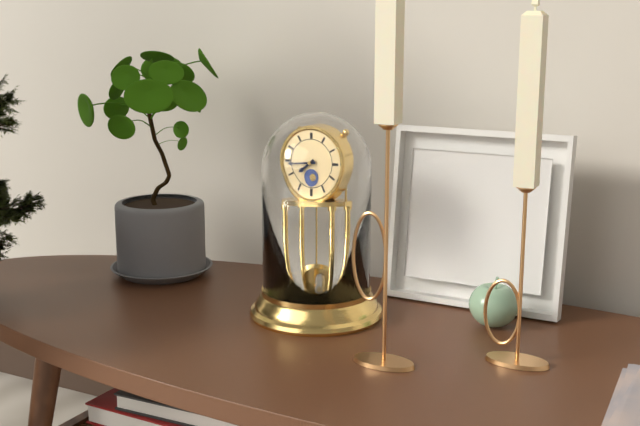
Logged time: {"hour": 7, "minute": 44}
